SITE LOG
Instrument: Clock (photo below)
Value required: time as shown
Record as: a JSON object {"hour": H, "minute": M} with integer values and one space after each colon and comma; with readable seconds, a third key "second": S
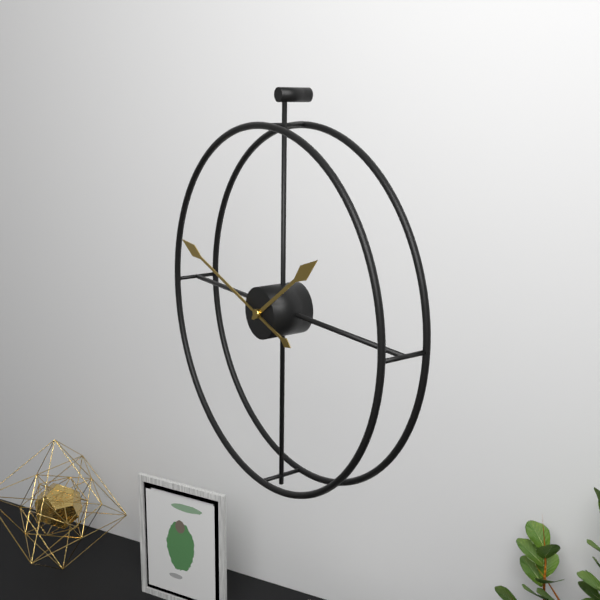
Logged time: {"hour": 1, "minute": 48}
